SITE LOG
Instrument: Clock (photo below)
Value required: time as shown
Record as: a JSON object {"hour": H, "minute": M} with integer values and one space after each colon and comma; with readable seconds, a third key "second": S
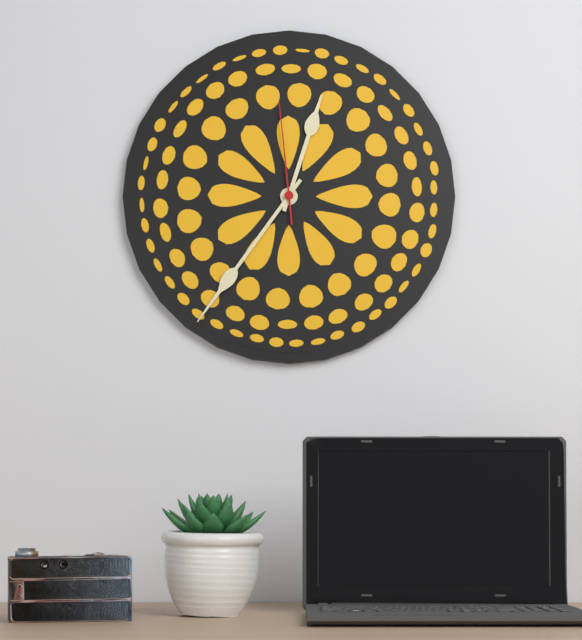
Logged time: {"hour": 12, "minute": 36, "second": 59}
